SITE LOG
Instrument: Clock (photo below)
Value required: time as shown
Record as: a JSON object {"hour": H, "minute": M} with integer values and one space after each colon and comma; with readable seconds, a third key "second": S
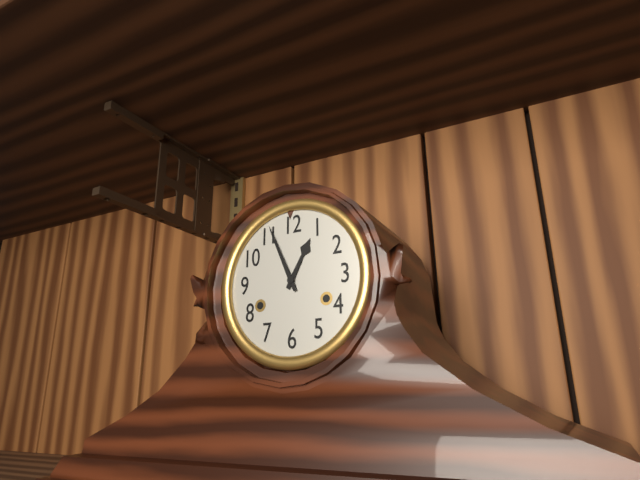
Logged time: {"hour": 12, "minute": 56}
